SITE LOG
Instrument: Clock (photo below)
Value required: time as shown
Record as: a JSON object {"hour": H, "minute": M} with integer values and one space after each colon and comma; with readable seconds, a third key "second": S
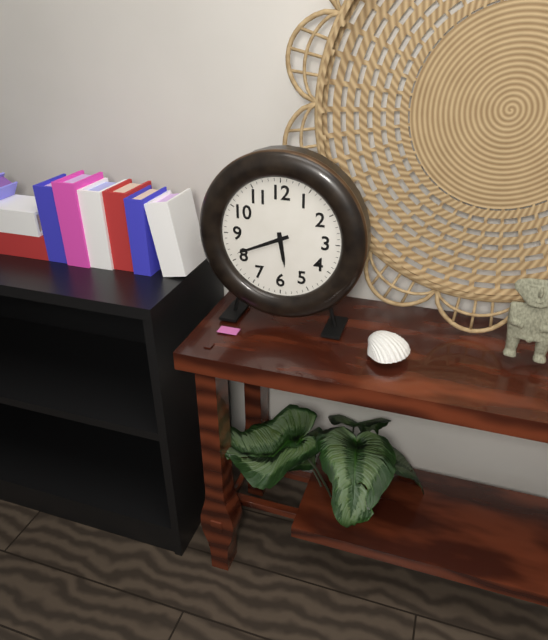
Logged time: {"hour": 5, "minute": 41}
